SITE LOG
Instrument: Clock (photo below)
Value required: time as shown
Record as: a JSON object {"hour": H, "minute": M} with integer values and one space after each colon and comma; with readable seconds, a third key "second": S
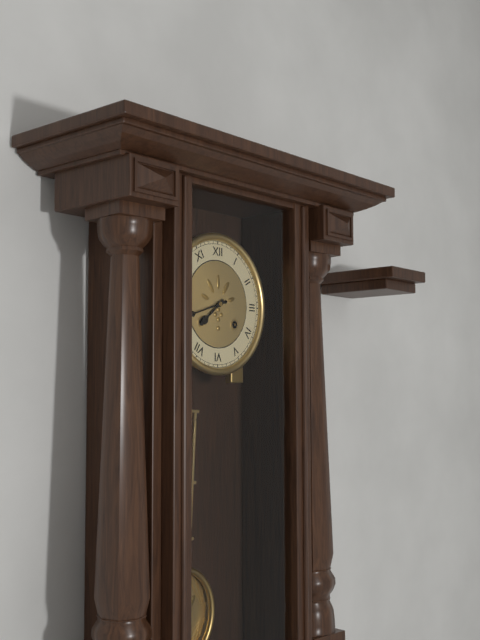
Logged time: {"hour": 7, "minute": 42}
